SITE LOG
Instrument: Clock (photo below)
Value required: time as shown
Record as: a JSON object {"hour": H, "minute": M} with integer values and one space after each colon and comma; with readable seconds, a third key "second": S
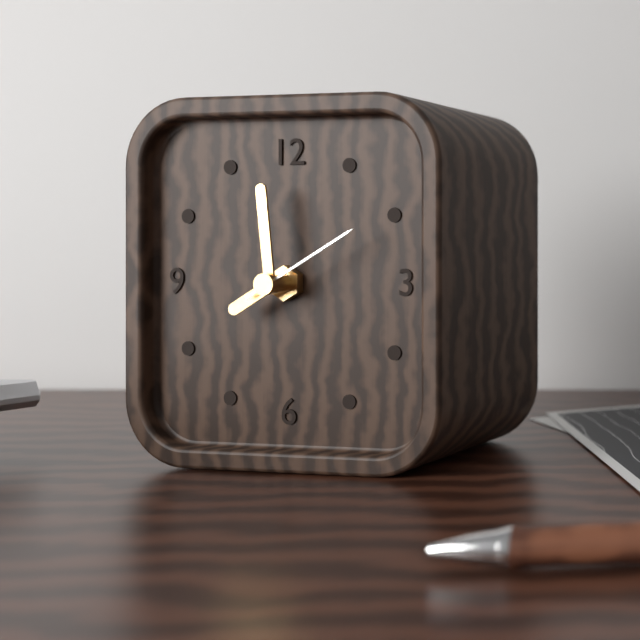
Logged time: {"hour": 7, "minute": 59, "second": 10}
